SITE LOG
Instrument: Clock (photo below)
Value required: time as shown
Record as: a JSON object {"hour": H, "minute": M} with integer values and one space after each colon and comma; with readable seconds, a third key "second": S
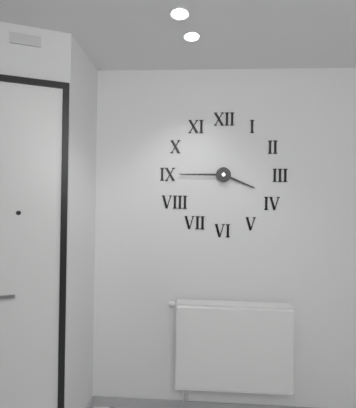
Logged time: {"hour": 3, "minute": 45}
